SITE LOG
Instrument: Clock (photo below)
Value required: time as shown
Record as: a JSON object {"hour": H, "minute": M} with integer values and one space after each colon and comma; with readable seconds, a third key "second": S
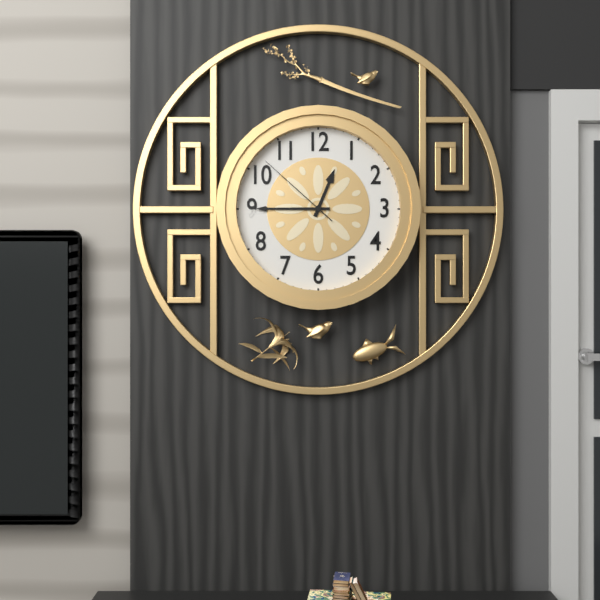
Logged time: {"hour": 12, "minute": 45, "second": 52}
